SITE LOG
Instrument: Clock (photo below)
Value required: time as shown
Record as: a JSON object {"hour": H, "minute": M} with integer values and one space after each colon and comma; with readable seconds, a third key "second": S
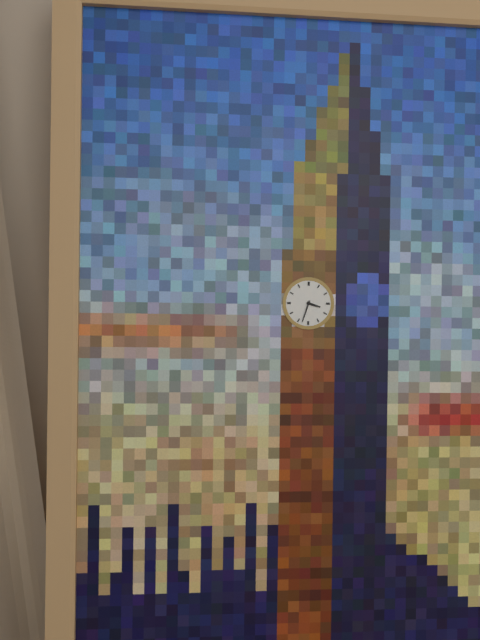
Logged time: {"hour": 3, "minute": 33}
